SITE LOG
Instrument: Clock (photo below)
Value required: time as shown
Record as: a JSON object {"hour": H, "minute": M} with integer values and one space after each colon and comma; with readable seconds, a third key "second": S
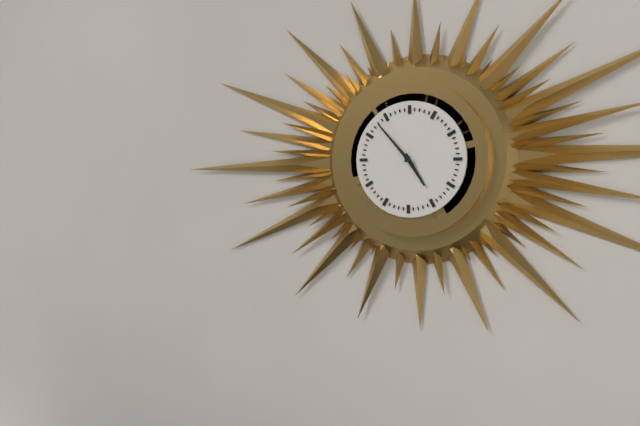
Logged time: {"hour": 4, "minute": 53}
